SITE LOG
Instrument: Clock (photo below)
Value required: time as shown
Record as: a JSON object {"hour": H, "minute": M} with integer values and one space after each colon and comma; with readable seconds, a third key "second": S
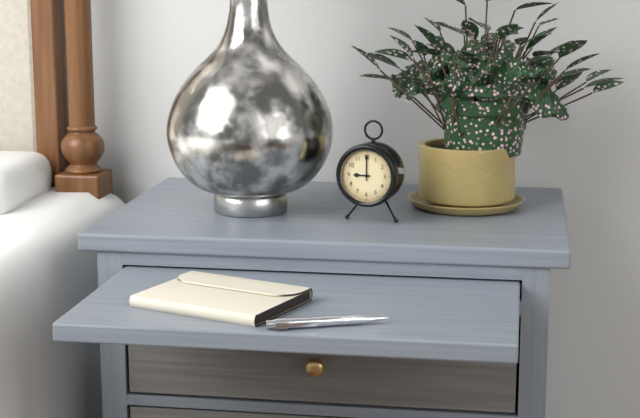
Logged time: {"hour": 9, "minute": 0}
